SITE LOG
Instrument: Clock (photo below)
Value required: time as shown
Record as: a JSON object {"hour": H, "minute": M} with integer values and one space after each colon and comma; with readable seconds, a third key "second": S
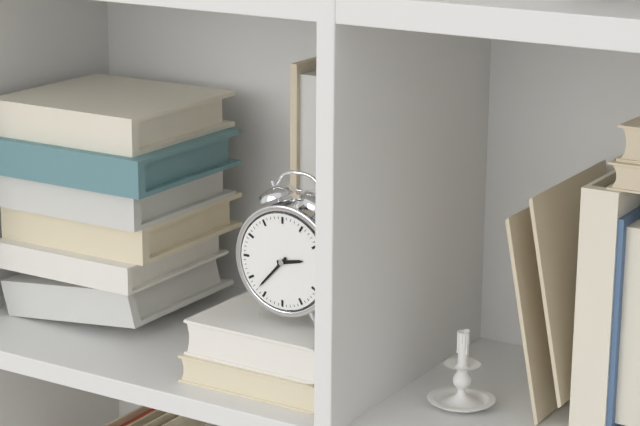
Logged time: {"hour": 2, "minute": 37}
